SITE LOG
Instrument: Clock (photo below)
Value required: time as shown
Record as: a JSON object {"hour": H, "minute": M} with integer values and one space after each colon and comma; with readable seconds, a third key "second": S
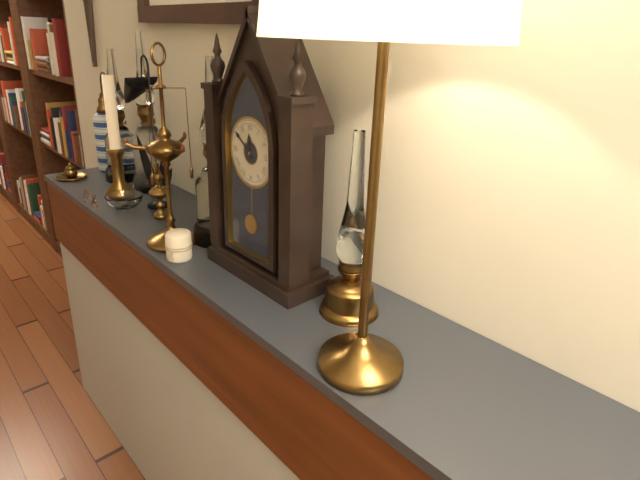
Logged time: {"hour": 11, "minute": 51}
